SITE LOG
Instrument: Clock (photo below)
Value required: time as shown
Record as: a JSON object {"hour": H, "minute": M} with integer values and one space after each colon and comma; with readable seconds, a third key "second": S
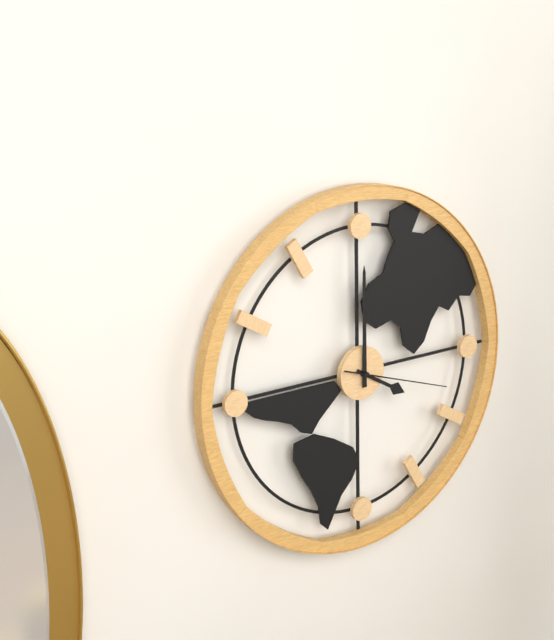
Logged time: {"hour": 4, "minute": 0, "second": 18}
